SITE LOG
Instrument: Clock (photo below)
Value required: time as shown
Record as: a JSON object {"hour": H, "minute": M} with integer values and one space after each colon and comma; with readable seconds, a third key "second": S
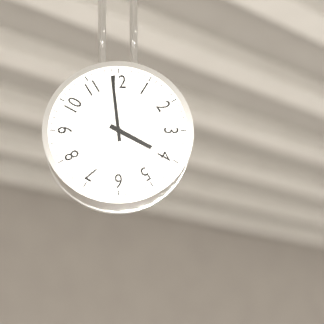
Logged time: {"hour": 3, "minute": 59}
